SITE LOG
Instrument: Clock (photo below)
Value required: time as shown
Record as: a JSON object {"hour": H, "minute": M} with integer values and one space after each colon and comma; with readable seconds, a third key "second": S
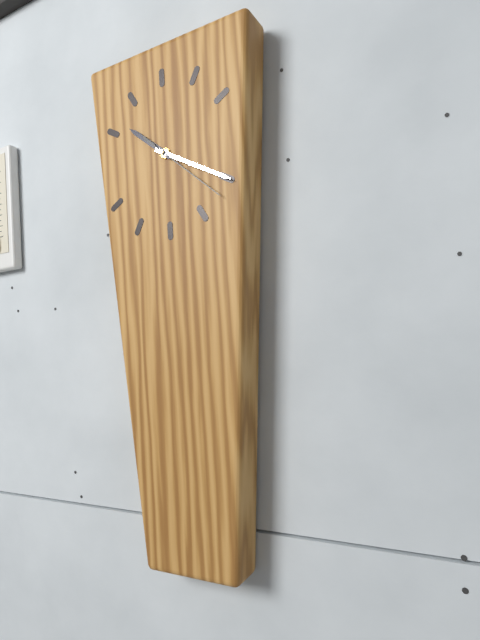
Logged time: {"hour": 10, "minute": 20, "second": 22}
